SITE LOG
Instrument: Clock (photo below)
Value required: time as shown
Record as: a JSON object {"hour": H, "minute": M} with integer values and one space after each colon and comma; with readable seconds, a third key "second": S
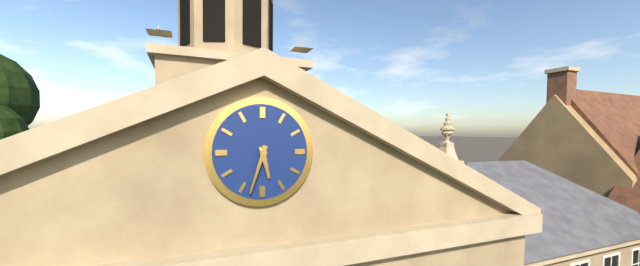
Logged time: {"hour": 5, "minute": 33}
